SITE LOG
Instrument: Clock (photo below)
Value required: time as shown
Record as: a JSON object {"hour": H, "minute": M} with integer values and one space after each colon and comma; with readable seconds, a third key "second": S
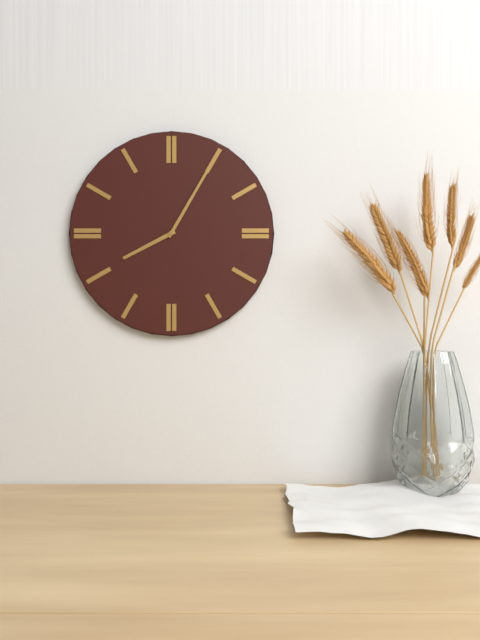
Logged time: {"hour": 8, "minute": 5}
